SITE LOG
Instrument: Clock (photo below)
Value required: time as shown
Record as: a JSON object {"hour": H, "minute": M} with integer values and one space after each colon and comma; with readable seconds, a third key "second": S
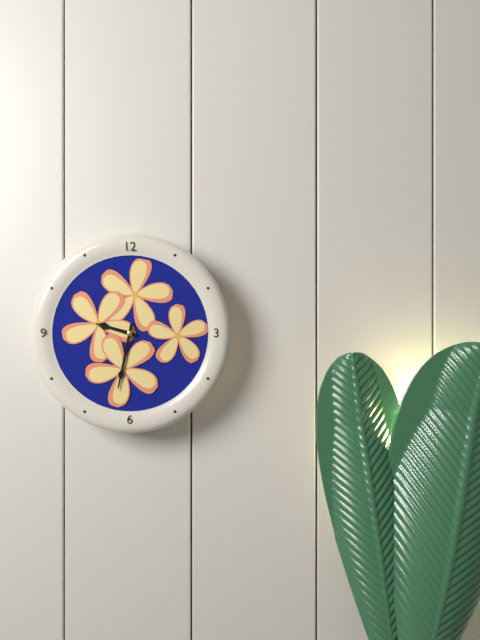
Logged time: {"hour": 9, "minute": 32}
